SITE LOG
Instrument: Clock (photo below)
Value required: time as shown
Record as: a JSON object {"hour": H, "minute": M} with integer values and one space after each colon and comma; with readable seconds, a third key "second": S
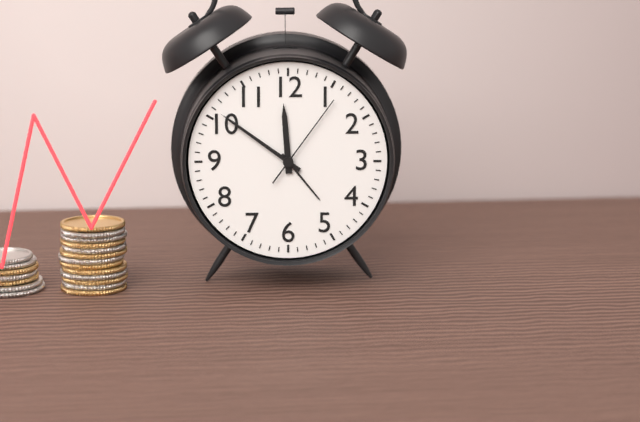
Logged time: {"hour": 11, "minute": 51, "second": 6}
